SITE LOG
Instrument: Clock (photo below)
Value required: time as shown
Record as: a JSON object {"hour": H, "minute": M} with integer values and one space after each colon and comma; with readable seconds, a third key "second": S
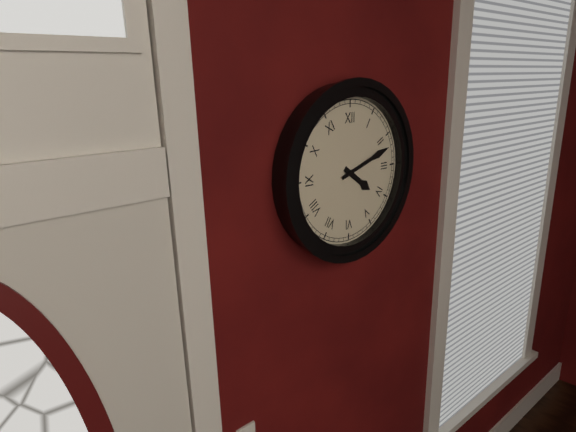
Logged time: {"hour": 4, "minute": 12}
